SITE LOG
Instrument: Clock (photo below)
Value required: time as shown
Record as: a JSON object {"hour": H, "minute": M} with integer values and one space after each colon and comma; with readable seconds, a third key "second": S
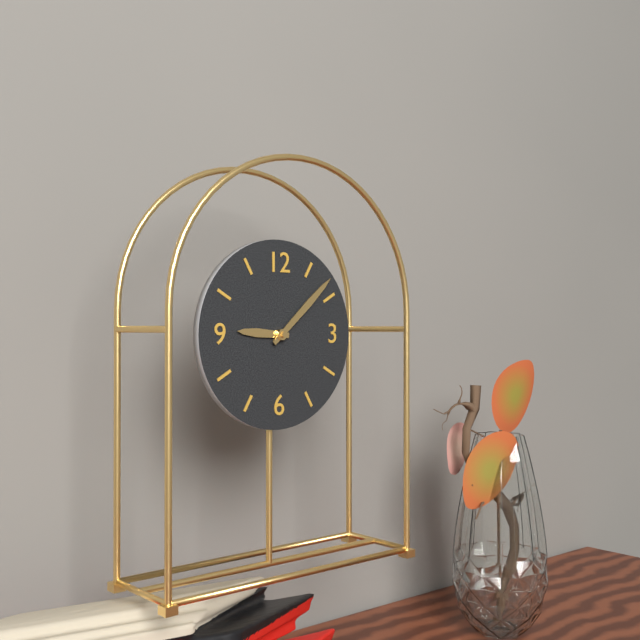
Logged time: {"hour": 9, "minute": 8}
